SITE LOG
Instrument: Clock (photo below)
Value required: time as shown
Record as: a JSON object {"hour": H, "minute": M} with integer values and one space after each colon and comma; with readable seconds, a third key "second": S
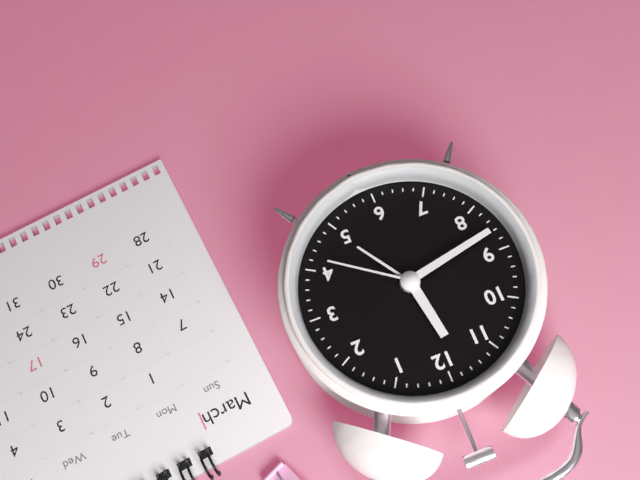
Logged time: {"hour": 11, "minute": 43, "second": 21}
